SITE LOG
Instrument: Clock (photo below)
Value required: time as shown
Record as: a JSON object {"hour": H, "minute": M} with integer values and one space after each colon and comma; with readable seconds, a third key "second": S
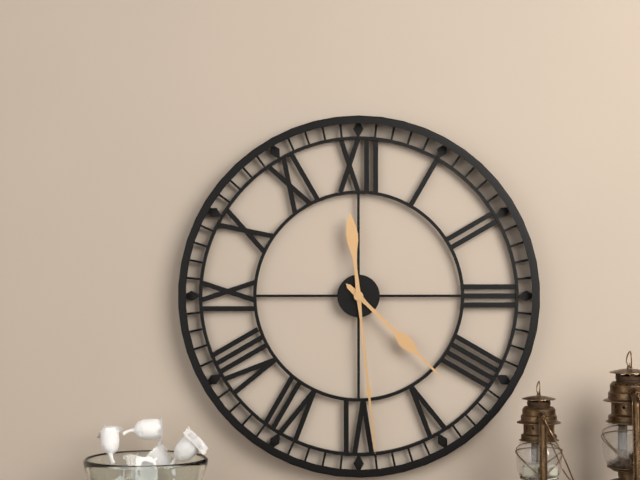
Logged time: {"hour": 4, "minute": 29}
